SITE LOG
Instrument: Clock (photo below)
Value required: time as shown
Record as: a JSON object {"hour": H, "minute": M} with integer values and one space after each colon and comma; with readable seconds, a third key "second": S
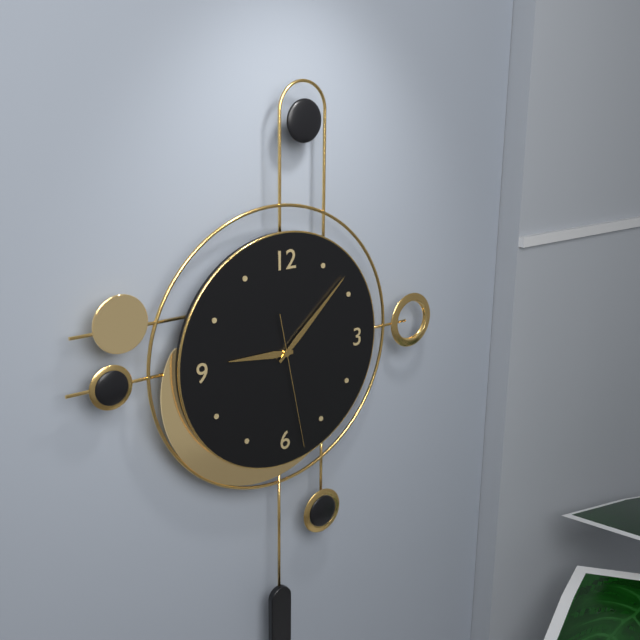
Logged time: {"hour": 9, "minute": 8, "second": 28}
